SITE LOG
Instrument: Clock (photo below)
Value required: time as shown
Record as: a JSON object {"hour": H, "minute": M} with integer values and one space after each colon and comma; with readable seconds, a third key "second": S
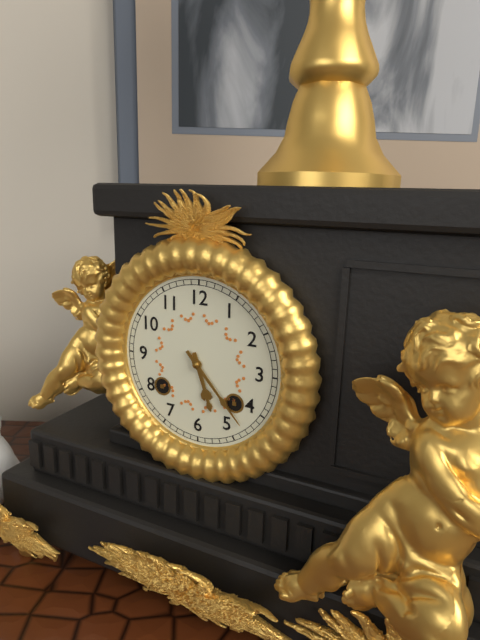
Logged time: {"hour": 5, "minute": 23}
